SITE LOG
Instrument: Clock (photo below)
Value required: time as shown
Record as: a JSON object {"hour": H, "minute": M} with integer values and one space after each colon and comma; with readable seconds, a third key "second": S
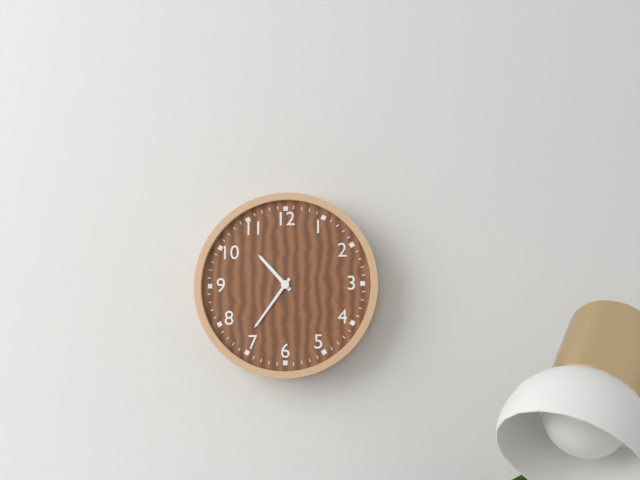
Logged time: {"hour": 10, "minute": 36}
